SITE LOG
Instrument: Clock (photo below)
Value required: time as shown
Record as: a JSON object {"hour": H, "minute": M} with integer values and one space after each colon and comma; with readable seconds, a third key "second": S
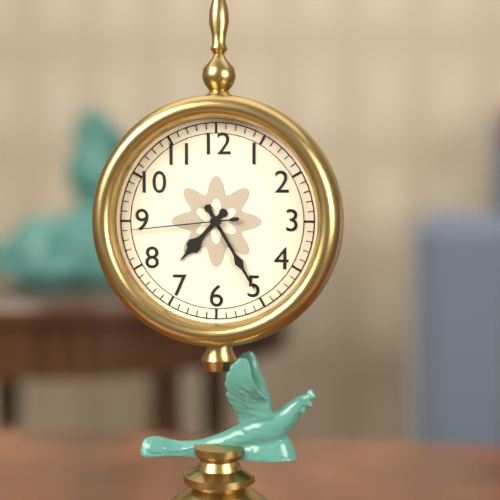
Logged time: {"hour": 7, "minute": 25, "second": 44}
